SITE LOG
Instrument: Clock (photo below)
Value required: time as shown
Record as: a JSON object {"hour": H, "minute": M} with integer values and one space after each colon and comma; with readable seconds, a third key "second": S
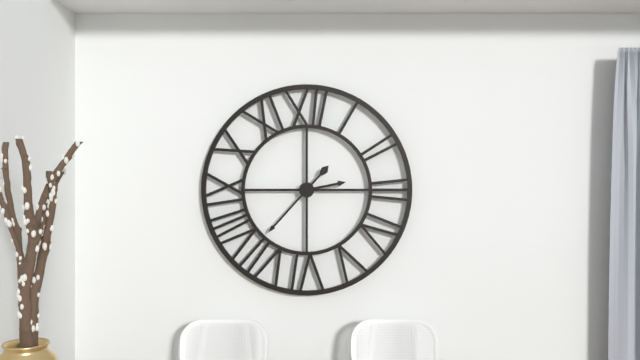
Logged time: {"hour": 2, "minute": 37}
